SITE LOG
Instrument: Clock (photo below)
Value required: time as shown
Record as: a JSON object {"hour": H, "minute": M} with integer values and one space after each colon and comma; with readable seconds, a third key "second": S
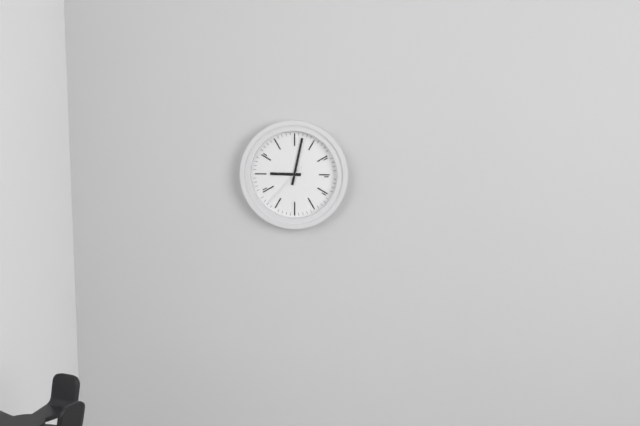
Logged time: {"hour": 9, "minute": 2}
